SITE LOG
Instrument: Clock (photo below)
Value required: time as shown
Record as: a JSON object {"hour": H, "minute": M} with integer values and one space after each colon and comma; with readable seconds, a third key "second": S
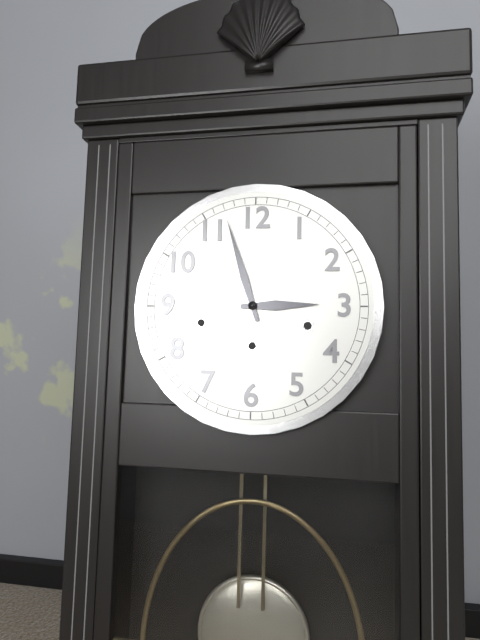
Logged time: {"hour": 2, "minute": 57}
